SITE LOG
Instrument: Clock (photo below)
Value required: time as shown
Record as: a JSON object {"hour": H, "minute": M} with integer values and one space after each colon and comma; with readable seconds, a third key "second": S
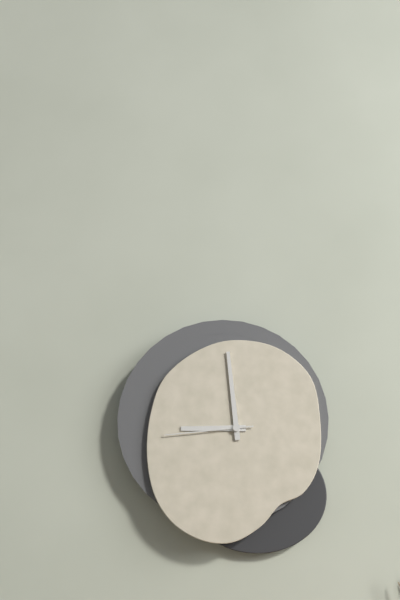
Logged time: {"hour": 8, "minute": 59, "second": 44}
